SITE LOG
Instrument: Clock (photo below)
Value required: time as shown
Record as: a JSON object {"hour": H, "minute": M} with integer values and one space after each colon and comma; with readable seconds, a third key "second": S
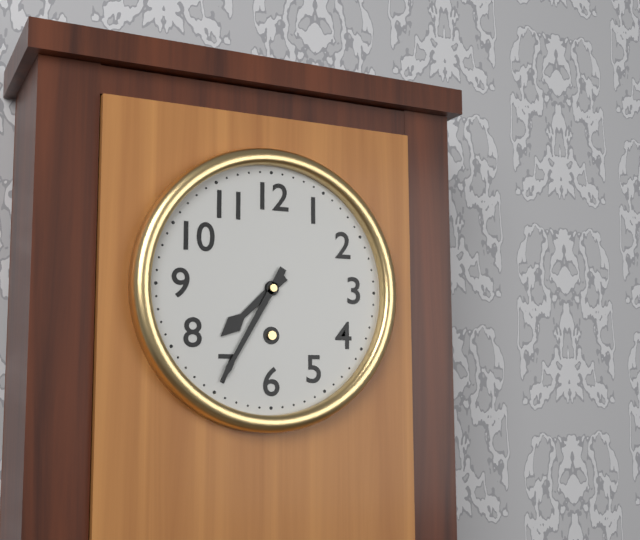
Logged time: {"hour": 7, "minute": 35}
